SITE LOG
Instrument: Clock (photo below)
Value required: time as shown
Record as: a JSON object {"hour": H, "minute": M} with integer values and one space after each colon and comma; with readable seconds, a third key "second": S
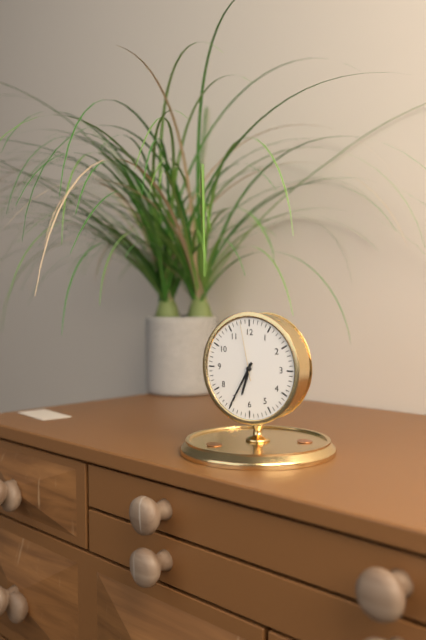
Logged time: {"hour": 6, "minute": 35, "second": 58}
